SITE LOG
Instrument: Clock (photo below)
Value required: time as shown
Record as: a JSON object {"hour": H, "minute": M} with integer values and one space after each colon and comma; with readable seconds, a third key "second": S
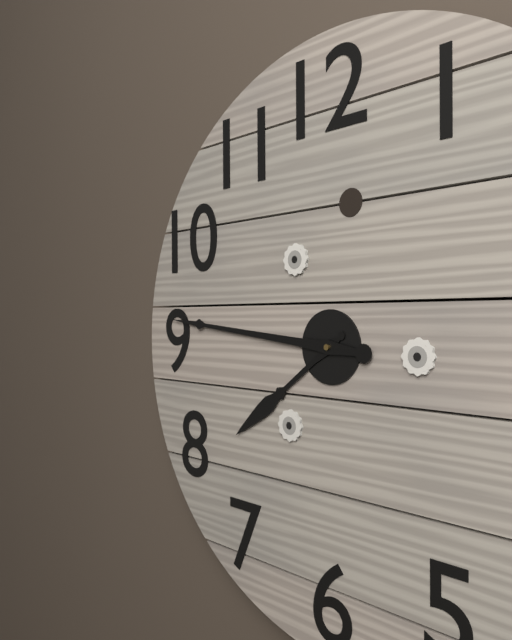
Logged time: {"hour": 7, "minute": 46}
